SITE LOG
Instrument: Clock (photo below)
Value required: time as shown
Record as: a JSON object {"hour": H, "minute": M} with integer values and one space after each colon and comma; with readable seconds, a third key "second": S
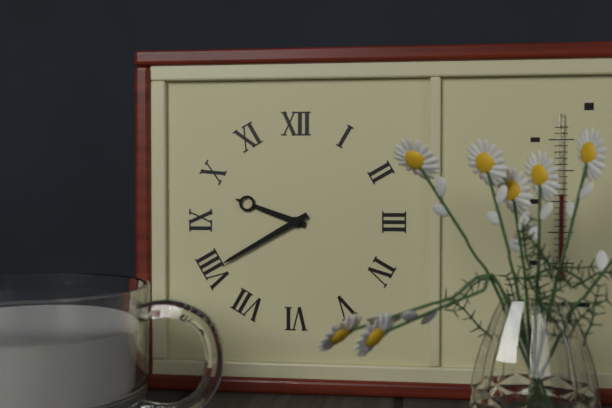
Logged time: {"hour": 9, "minute": 40}
